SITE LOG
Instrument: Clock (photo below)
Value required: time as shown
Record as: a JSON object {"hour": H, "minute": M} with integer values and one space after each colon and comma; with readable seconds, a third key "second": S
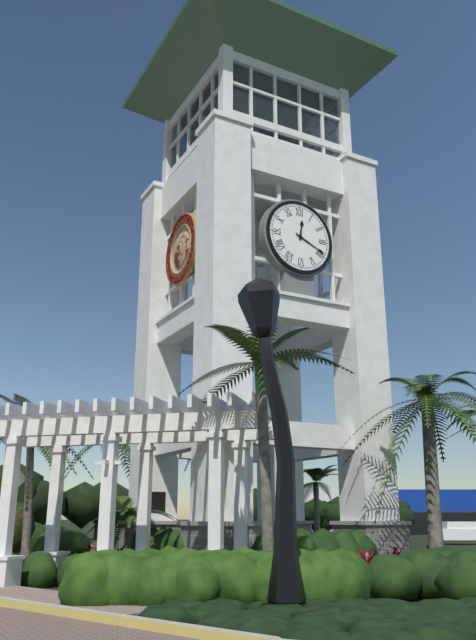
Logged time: {"hour": 12, "minute": 19}
